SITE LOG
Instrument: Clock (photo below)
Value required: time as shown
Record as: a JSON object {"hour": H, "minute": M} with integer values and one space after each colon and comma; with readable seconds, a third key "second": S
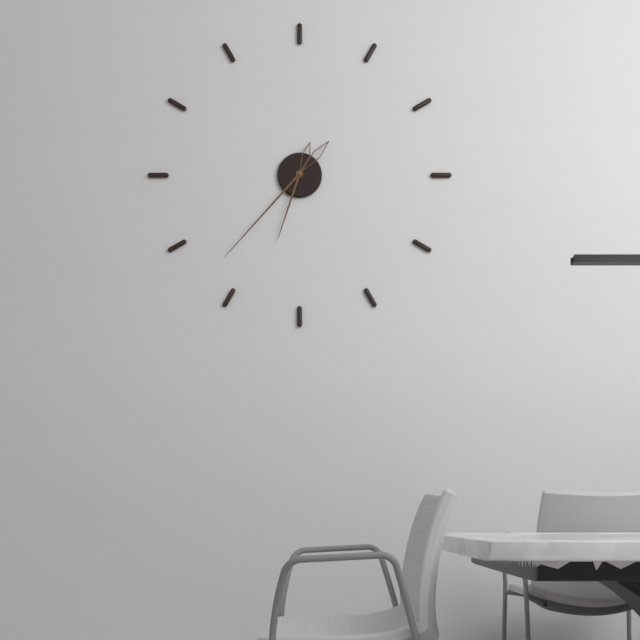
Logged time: {"hour": 6, "minute": 37}
